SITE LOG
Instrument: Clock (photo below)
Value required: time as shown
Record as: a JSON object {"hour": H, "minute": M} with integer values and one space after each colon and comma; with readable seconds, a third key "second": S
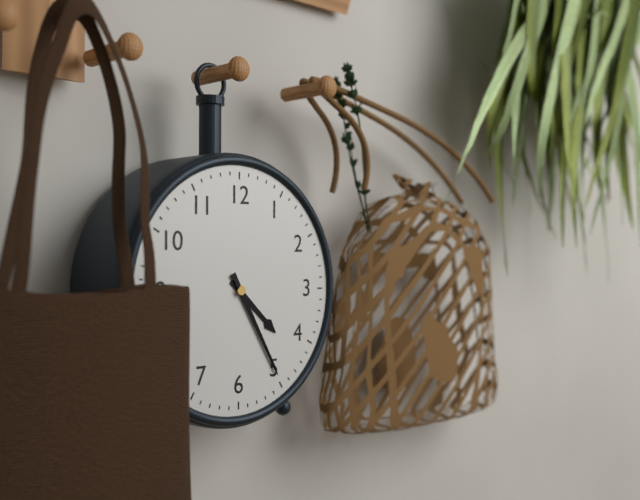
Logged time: {"hour": 4, "minute": 25}
